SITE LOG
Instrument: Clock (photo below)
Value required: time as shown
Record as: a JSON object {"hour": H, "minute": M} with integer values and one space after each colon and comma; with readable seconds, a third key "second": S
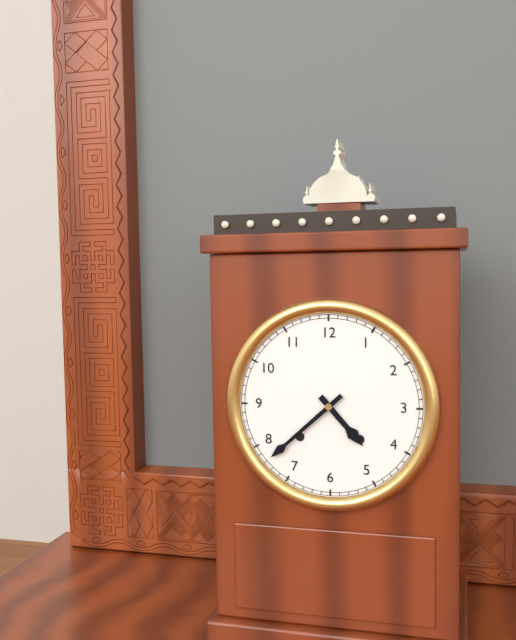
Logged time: {"hour": 4, "minute": 38}
